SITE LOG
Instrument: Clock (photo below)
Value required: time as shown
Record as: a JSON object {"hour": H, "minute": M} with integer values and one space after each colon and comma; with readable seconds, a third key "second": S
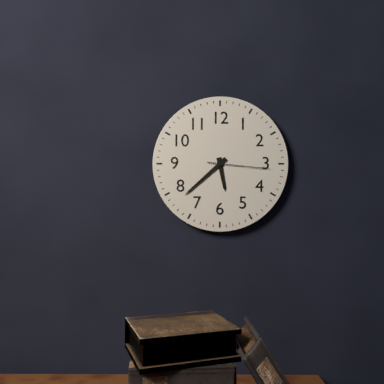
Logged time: {"hour": 5, "minute": 38, "second": 16}
